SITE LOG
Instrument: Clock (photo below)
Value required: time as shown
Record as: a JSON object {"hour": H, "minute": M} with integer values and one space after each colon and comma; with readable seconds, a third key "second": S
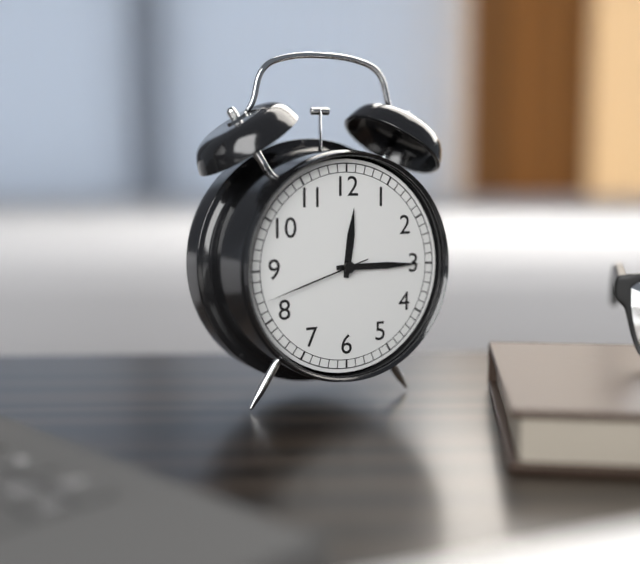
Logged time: {"hour": 12, "minute": 15, "second": 42}
